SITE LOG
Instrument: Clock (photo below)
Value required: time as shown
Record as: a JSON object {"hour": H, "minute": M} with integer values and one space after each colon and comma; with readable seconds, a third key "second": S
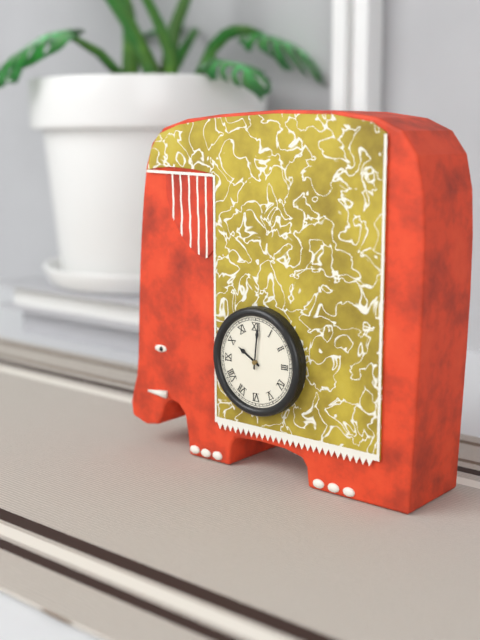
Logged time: {"hour": 10, "minute": 1}
